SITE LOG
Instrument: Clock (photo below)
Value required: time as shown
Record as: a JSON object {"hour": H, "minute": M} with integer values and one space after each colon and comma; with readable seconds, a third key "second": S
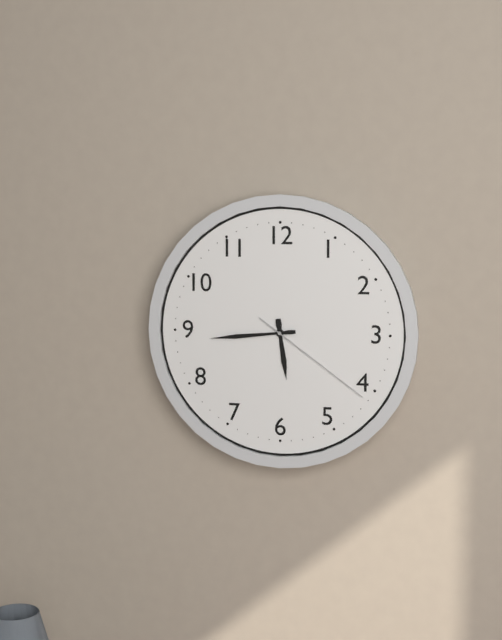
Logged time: {"hour": 5, "minute": 44, "second": 21}
